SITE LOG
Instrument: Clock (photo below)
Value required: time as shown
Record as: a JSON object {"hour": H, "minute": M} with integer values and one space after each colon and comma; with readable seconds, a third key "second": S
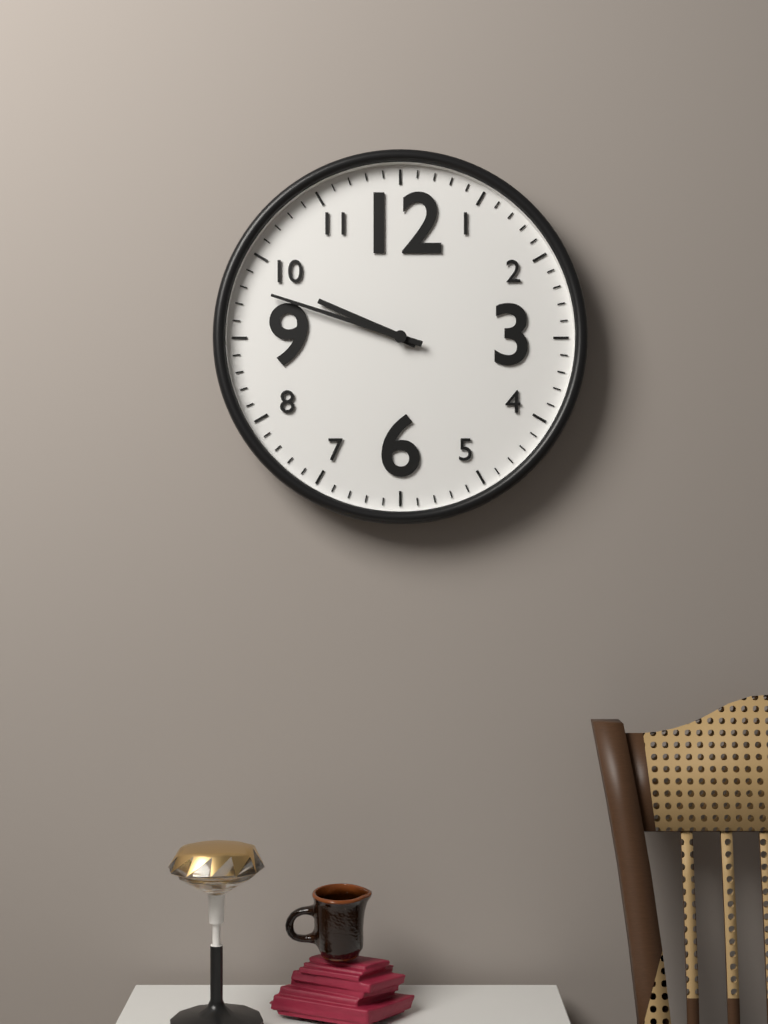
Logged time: {"hour": 9, "minute": 48}
